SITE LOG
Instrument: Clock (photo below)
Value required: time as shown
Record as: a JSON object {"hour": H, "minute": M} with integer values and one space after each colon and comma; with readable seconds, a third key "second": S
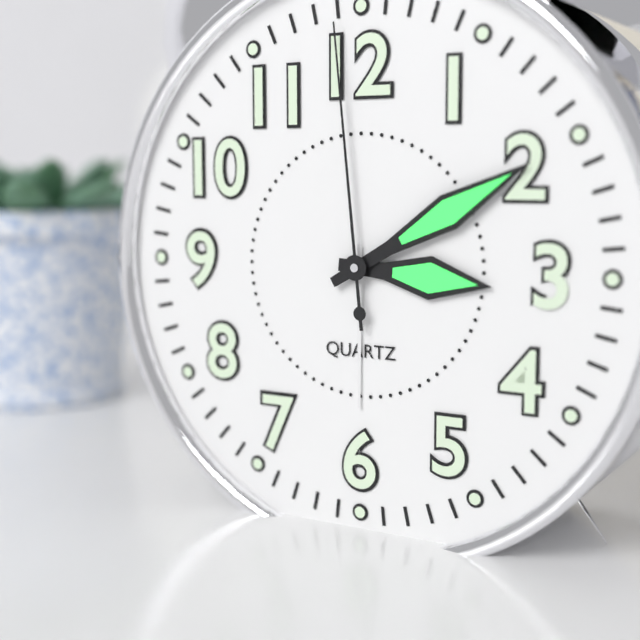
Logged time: {"hour": 3, "minute": 10, "second": 59}
